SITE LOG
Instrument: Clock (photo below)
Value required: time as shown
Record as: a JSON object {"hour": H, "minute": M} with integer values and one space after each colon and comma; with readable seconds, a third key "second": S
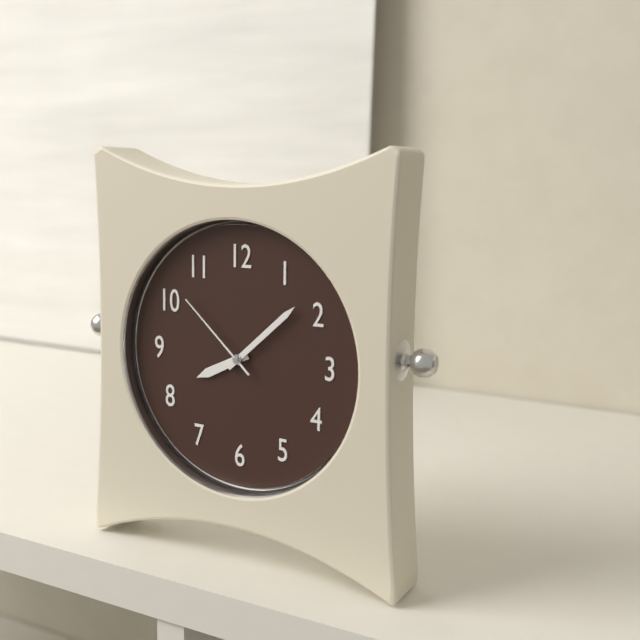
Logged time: {"hour": 8, "minute": 8, "second": 52}
